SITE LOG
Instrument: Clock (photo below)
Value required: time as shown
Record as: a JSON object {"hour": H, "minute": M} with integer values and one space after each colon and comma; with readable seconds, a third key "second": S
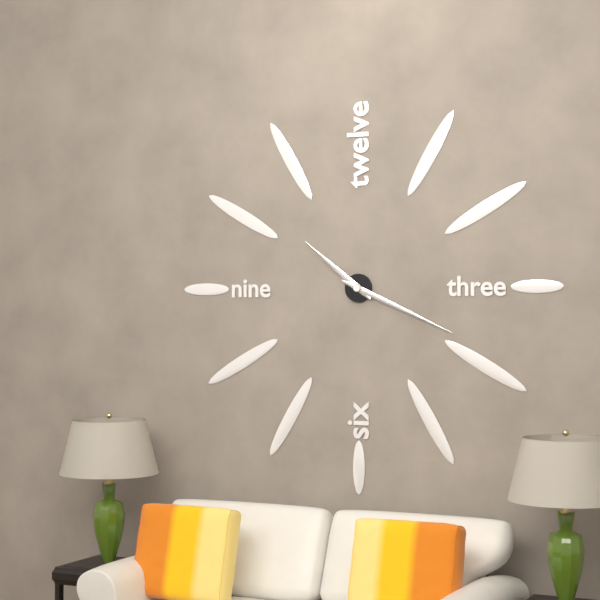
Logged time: {"hour": 10, "minute": 19}
